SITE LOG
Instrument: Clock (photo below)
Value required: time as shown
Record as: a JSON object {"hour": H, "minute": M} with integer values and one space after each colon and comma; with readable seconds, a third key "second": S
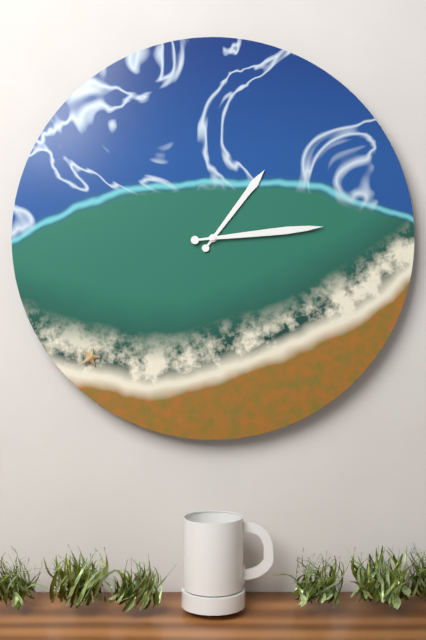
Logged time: {"hour": 1, "minute": 14}
